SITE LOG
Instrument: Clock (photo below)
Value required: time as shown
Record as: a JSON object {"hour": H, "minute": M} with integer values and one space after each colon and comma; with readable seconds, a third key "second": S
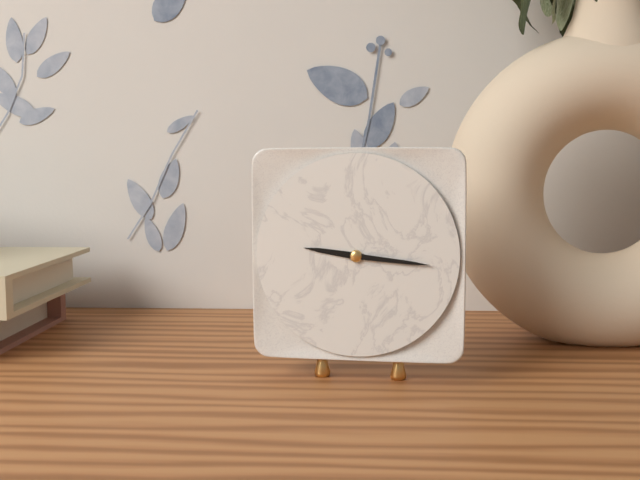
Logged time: {"hour": 9, "minute": 16}
